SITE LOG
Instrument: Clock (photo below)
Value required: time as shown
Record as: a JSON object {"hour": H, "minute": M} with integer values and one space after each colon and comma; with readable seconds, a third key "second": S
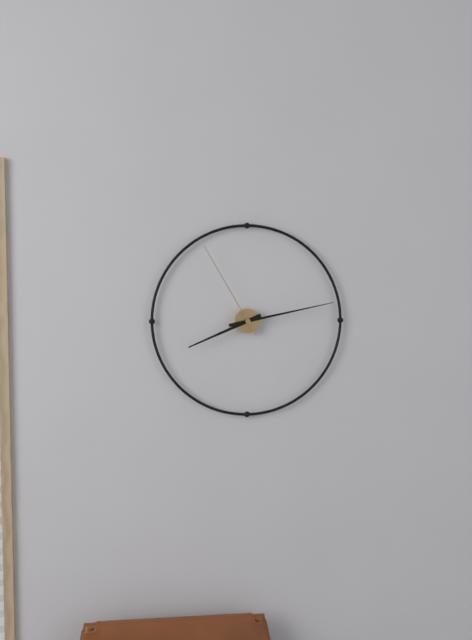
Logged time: {"hour": 8, "minute": 13, "second": 55}
